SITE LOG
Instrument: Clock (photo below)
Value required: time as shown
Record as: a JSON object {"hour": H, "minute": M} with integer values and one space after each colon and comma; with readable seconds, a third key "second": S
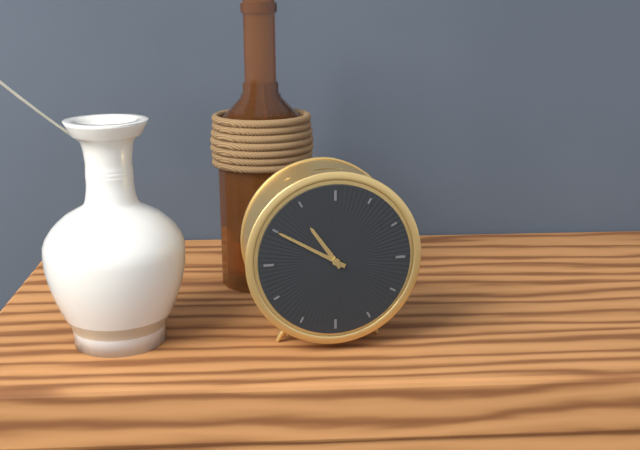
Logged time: {"hour": 10, "minute": 50}
